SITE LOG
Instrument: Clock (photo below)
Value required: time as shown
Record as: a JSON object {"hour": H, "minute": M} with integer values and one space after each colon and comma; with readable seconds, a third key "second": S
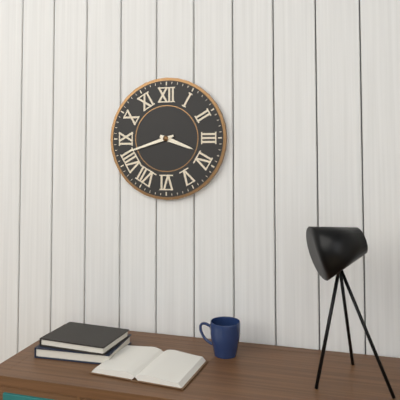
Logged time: {"hour": 3, "minute": 42}
